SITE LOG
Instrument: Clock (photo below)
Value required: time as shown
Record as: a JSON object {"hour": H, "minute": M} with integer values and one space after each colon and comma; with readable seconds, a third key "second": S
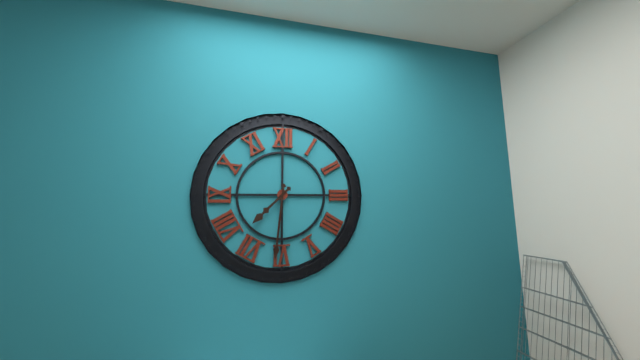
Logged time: {"hour": 7, "minute": 31}
